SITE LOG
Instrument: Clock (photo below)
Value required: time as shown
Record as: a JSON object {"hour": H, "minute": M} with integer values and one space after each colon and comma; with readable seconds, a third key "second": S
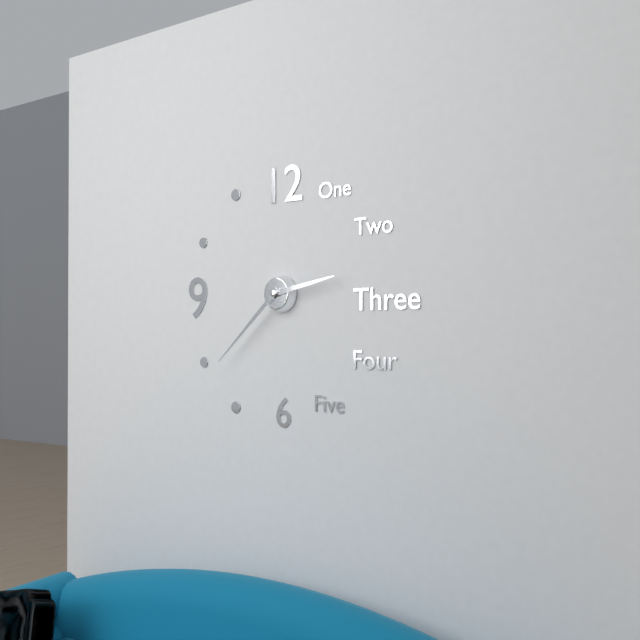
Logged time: {"hour": 2, "minute": 38}
